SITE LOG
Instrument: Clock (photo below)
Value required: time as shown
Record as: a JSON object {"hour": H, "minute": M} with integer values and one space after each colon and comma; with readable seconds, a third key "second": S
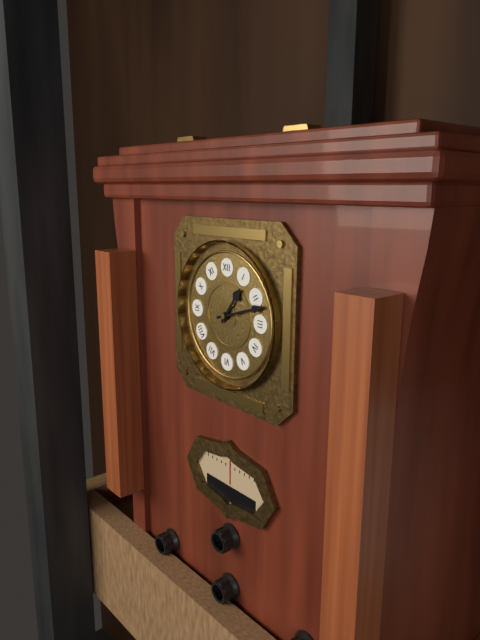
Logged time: {"hour": 1, "minute": 12}
